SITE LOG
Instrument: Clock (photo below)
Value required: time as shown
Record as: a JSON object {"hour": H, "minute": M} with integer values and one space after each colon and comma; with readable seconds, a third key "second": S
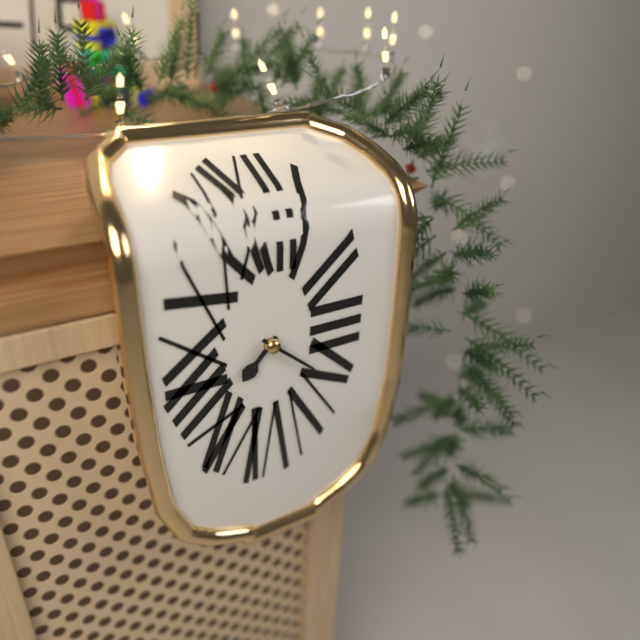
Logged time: {"hour": 7, "minute": 22}
